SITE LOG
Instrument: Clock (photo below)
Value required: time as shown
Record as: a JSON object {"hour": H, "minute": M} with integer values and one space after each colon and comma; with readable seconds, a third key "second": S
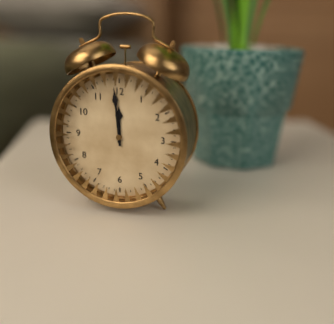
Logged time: {"hour": 11, "minute": 59}
